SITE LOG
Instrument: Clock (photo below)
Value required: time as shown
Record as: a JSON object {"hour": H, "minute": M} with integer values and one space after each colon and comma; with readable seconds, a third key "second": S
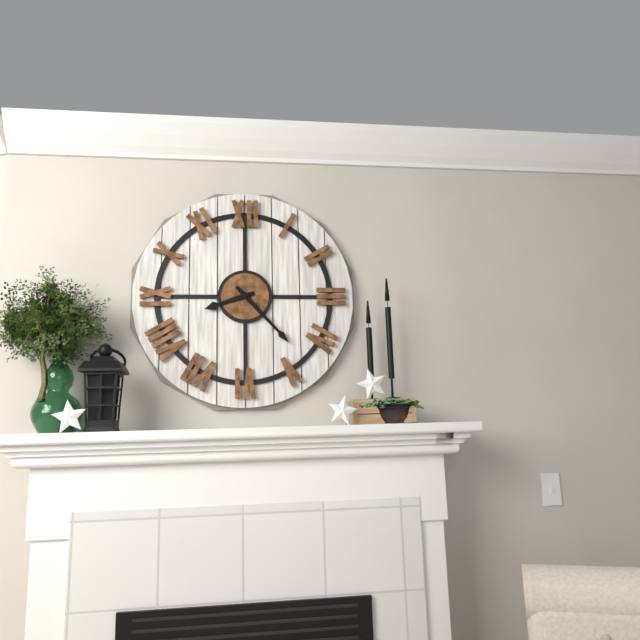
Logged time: {"hour": 8, "minute": 23}
